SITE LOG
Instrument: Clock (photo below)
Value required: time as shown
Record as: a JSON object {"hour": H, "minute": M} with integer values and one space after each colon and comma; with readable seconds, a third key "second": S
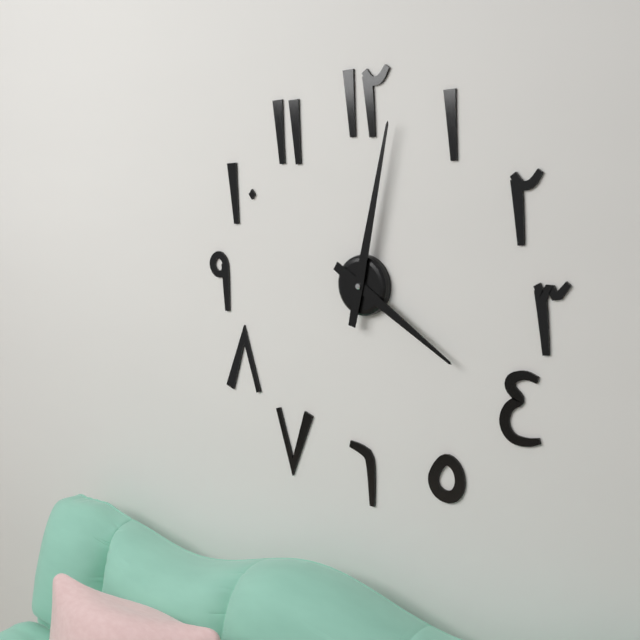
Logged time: {"hour": 4, "minute": 2}
